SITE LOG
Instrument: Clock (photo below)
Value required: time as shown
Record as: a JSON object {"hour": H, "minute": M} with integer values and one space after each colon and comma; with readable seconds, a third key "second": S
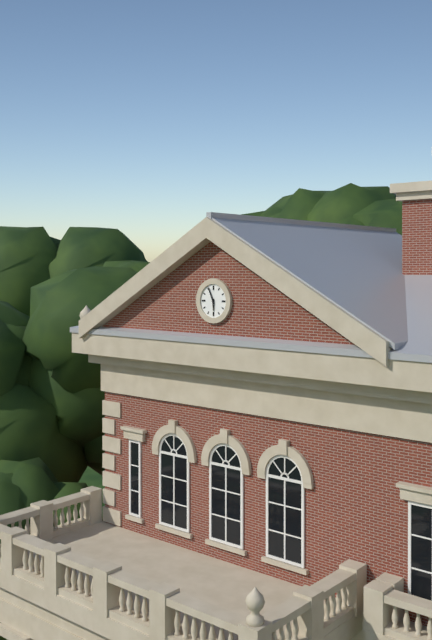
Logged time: {"hour": 5, "minute": 56}
